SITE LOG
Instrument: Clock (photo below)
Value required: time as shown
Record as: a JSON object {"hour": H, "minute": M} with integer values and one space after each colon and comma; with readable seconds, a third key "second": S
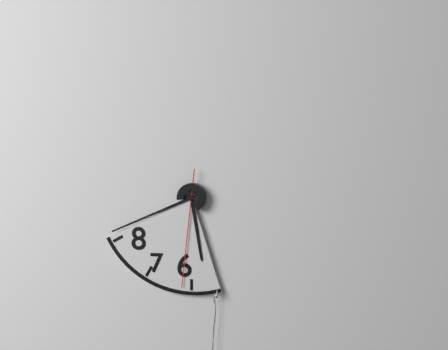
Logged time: {"hour": 5, "minute": 41, "second": 31}
